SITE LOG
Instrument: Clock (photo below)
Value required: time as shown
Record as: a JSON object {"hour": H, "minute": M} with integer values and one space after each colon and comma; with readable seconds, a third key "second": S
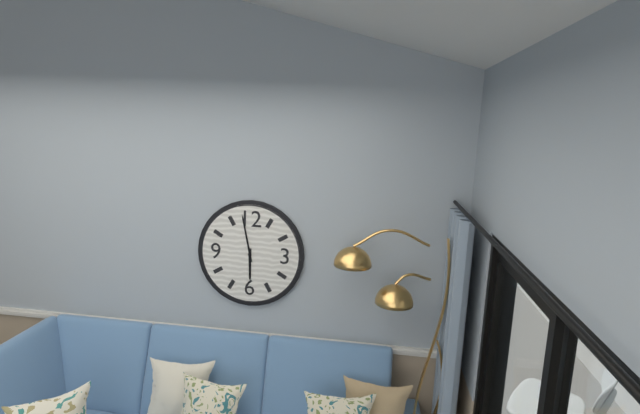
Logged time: {"hour": 5, "minute": 58}
